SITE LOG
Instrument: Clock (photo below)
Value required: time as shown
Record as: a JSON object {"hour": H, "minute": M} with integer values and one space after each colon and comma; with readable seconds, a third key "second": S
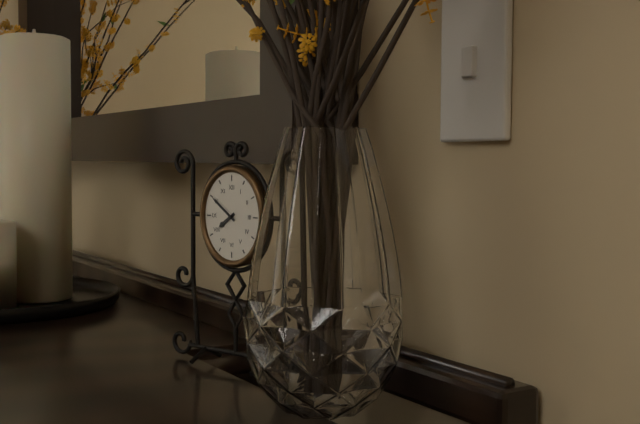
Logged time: {"hour": 7, "minute": 51}
